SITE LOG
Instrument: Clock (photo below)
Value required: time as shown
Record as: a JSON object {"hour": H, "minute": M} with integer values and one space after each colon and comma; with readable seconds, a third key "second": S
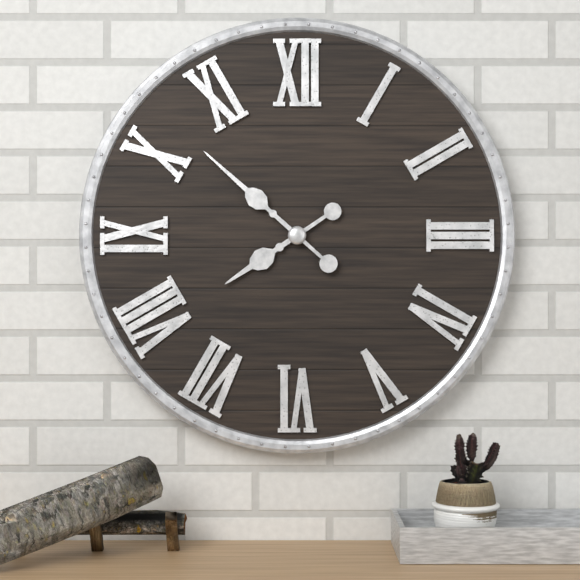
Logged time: {"hour": 7, "minute": 52}
